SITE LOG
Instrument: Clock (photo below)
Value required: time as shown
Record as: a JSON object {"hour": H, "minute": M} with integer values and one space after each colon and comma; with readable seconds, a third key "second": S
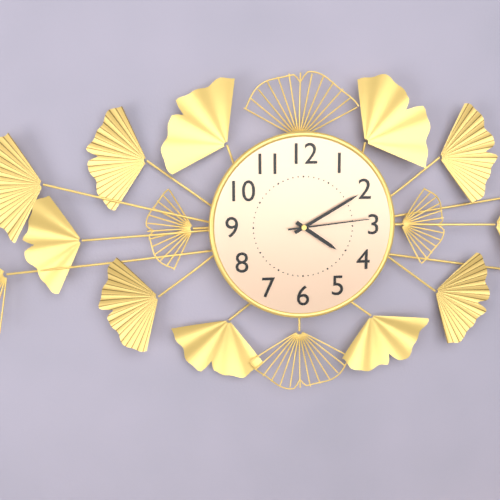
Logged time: {"hour": 4, "minute": 10, "second": 14}
